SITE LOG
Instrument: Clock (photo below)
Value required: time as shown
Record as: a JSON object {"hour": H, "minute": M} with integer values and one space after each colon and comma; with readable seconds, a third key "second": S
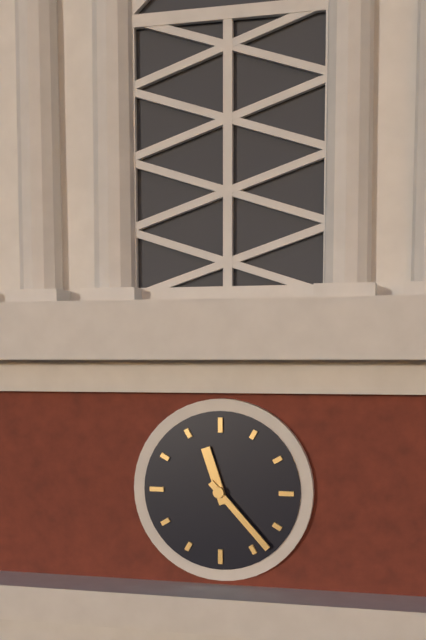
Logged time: {"hour": 11, "minute": 23}
